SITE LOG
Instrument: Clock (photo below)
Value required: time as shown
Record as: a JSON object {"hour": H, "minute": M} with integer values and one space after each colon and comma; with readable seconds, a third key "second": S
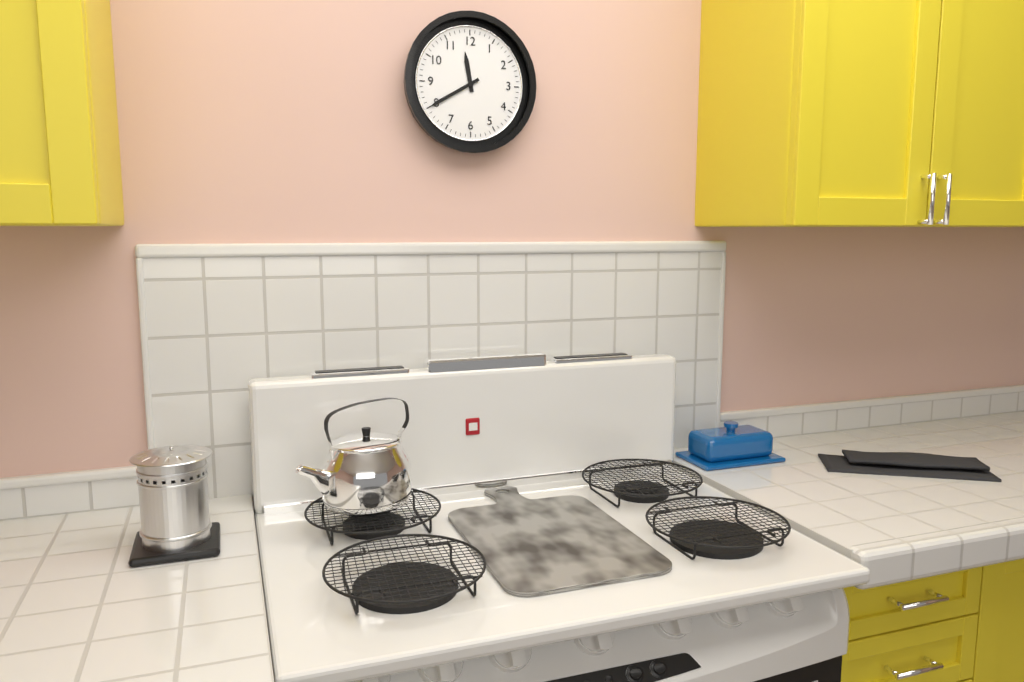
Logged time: {"hour": 11, "minute": 40}
